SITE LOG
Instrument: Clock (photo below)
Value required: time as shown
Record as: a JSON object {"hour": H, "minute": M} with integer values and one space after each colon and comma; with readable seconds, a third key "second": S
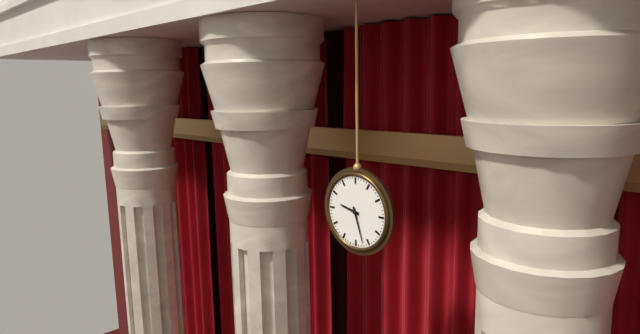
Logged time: {"hour": 9, "minute": 27}
